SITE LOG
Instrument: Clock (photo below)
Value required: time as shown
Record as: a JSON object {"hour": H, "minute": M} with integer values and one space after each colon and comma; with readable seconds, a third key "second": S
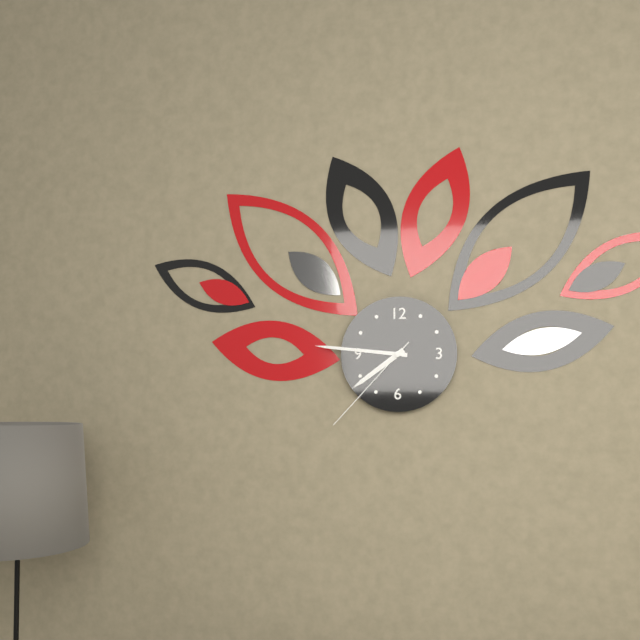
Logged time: {"hour": 7, "minute": 46, "second": 37}
